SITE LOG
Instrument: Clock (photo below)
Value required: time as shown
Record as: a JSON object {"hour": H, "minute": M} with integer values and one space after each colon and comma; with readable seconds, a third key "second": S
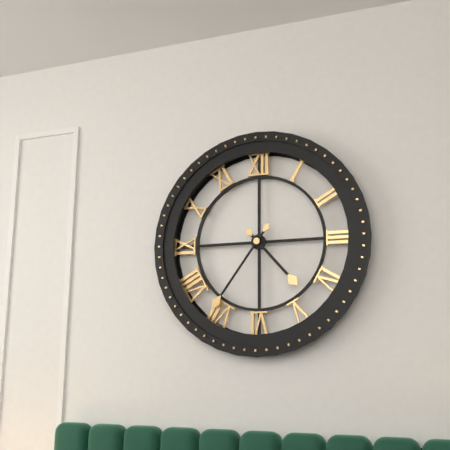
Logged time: {"hour": 4, "minute": 36}
